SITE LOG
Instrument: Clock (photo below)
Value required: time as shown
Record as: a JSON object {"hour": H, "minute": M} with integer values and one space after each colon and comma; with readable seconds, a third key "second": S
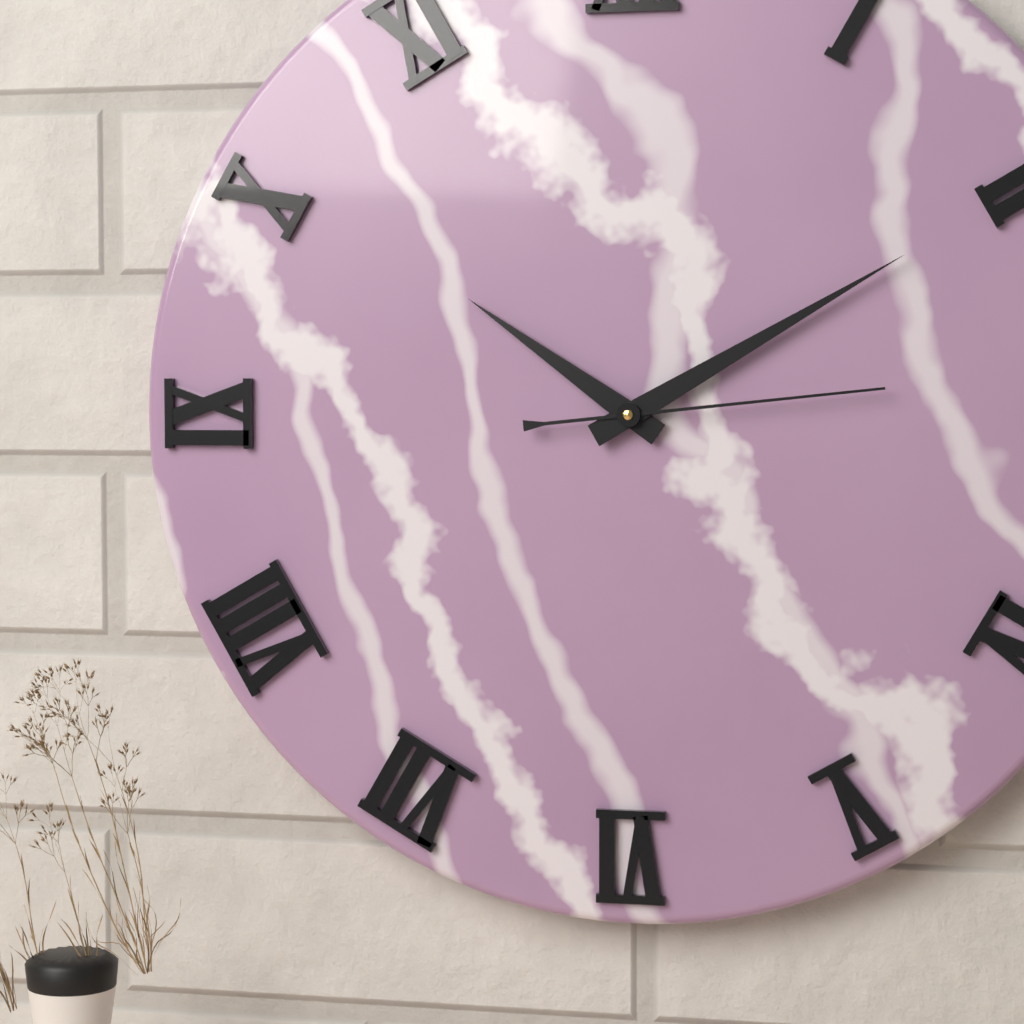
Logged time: {"hour": 10, "minute": 10, "second": 14}
